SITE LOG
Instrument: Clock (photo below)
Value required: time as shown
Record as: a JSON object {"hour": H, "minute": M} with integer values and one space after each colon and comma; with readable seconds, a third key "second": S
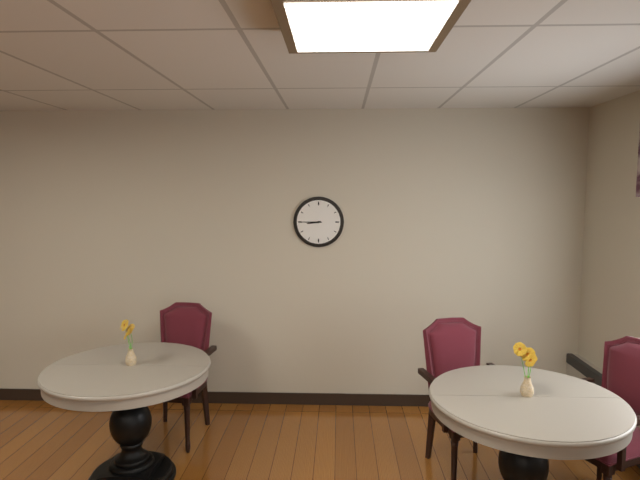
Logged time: {"hour": 8, "minute": 45}
